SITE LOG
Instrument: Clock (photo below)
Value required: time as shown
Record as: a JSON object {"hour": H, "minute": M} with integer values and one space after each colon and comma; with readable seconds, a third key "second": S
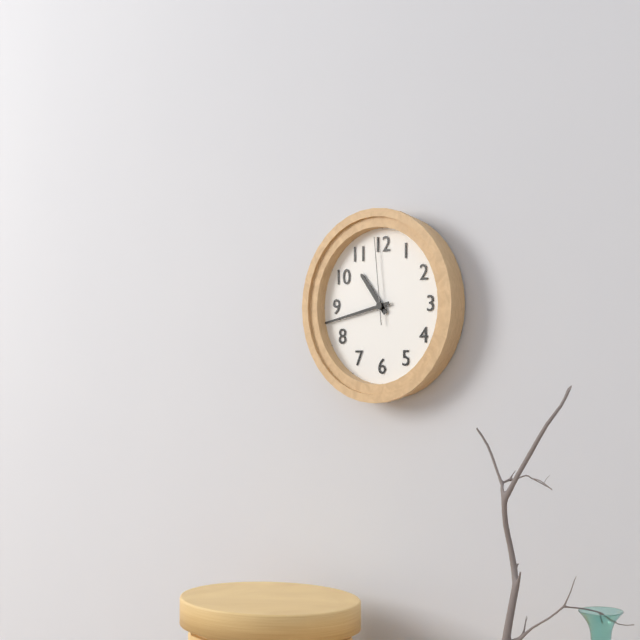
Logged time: {"hour": 10, "minute": 43, "second": 59}
